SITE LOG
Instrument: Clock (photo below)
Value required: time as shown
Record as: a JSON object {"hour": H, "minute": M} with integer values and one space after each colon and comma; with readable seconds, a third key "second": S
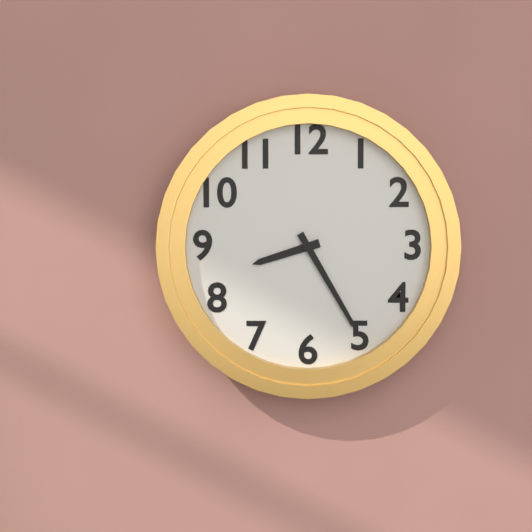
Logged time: {"hour": 8, "minute": 25}
